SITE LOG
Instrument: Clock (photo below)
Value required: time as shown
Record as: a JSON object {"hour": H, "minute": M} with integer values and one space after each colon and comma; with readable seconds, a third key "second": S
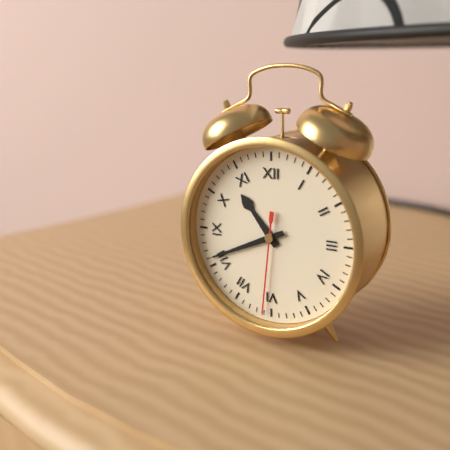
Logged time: {"hour": 10, "minute": 41, "second": 31}
